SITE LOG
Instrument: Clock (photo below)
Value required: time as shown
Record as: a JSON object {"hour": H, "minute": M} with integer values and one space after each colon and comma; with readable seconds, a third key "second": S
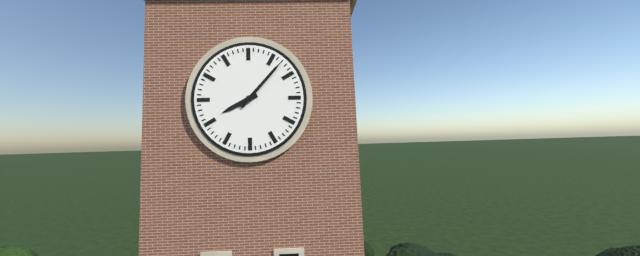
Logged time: {"hour": 8, "minute": 7}
